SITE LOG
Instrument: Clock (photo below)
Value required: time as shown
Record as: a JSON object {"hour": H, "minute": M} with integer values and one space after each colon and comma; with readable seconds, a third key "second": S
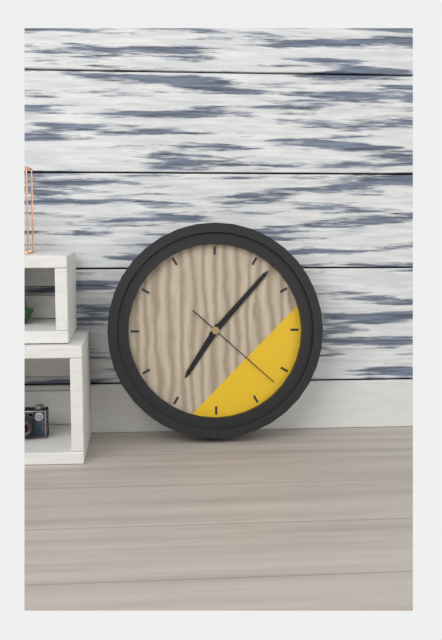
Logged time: {"hour": 7, "minute": 7, "second": 22}
